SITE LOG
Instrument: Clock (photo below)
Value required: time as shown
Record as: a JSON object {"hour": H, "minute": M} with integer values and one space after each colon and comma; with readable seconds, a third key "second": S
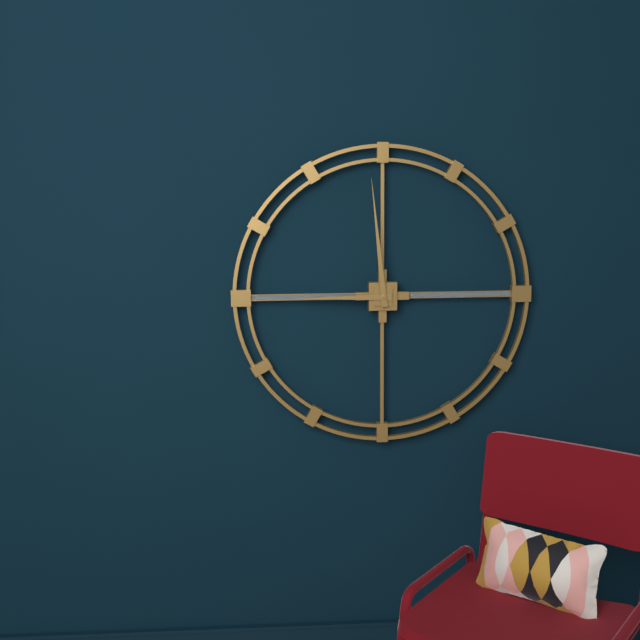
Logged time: {"hour": 8, "minute": 59}
